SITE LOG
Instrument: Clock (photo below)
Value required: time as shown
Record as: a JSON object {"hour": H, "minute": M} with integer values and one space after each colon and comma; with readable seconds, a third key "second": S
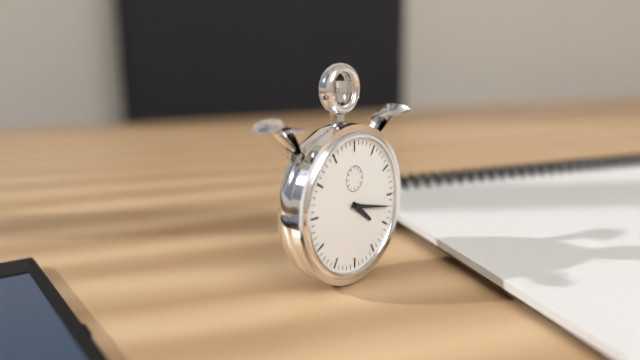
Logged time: {"hour": 4, "minute": 17}
